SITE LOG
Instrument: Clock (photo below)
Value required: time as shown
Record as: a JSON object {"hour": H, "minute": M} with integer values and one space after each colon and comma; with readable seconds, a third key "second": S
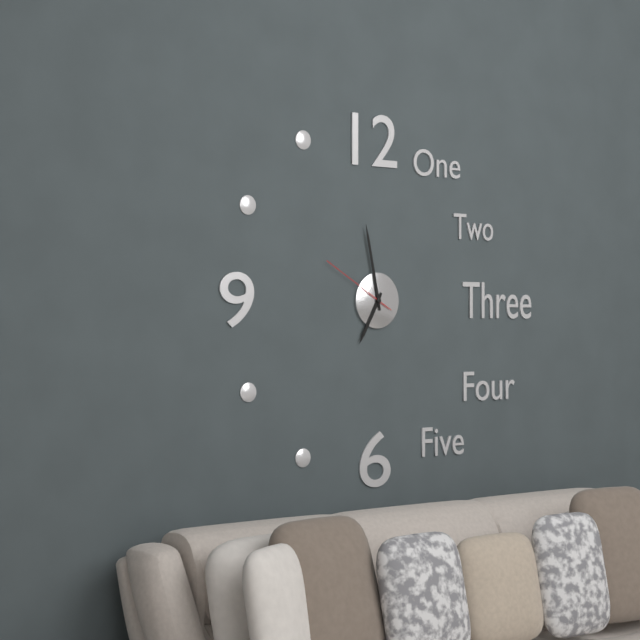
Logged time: {"hour": 6, "minute": 58, "second": 50}
